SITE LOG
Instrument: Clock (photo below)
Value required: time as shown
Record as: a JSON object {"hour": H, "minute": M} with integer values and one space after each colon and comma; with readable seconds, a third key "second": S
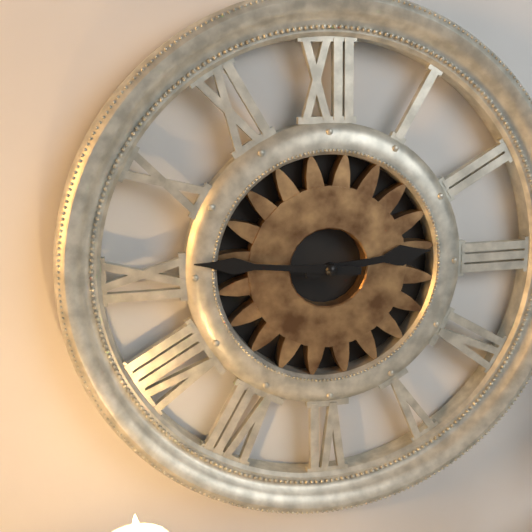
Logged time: {"hour": 2, "minute": 46}
